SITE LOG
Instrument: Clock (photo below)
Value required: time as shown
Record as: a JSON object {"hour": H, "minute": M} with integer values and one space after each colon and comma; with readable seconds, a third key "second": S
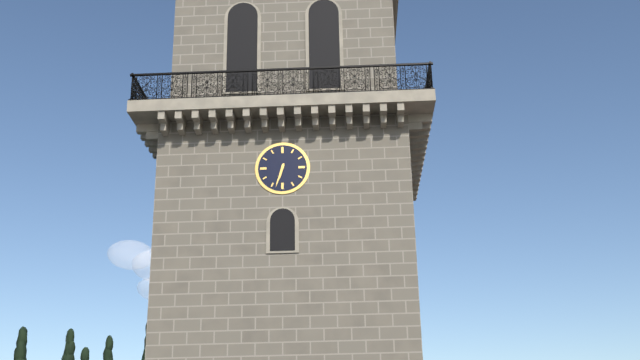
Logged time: {"hour": 6, "minute": 33}
